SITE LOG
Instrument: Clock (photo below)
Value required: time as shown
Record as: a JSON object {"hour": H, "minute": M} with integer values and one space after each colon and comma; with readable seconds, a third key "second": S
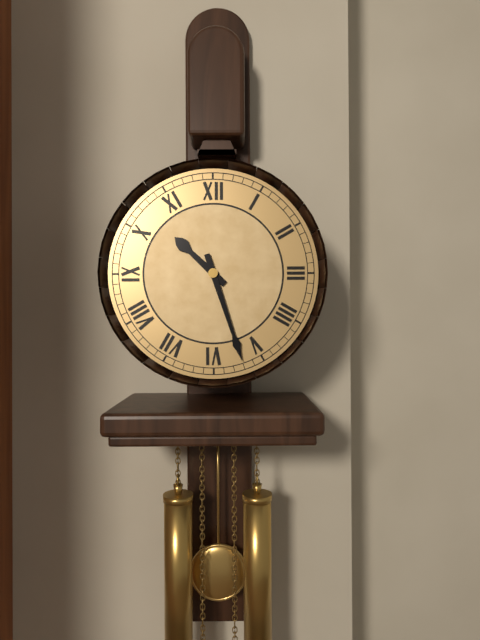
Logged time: {"hour": 10, "minute": 27}
